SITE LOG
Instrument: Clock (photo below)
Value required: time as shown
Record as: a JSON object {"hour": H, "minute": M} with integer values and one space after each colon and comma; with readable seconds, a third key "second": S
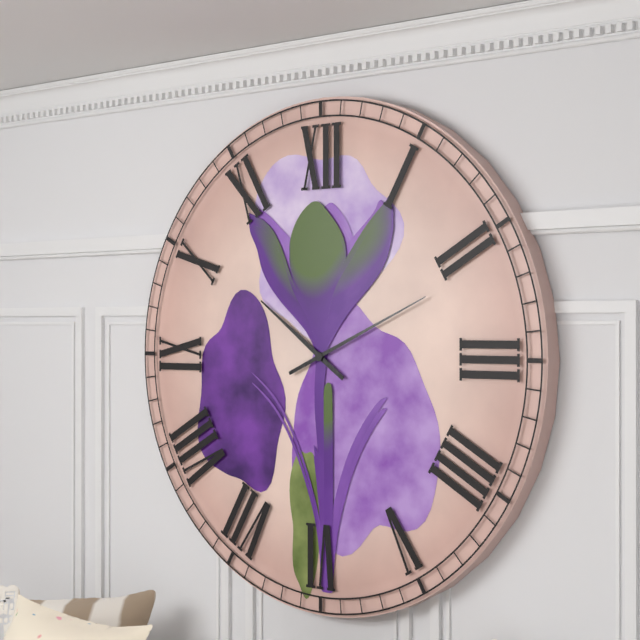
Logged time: {"hour": 10, "minute": 11}
